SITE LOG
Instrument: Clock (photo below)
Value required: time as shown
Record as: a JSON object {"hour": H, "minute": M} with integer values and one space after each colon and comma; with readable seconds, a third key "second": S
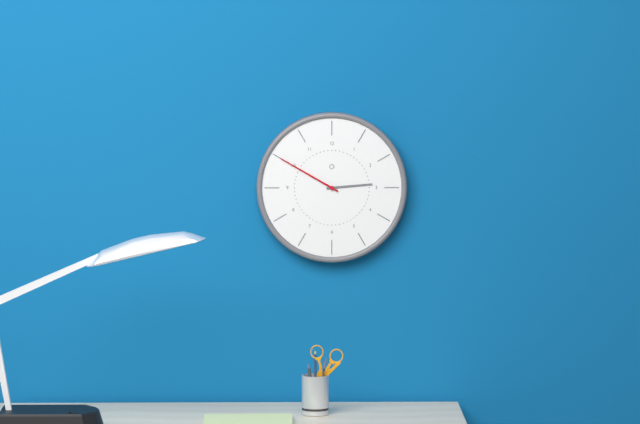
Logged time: {"hour": 2, "minute": 50}
